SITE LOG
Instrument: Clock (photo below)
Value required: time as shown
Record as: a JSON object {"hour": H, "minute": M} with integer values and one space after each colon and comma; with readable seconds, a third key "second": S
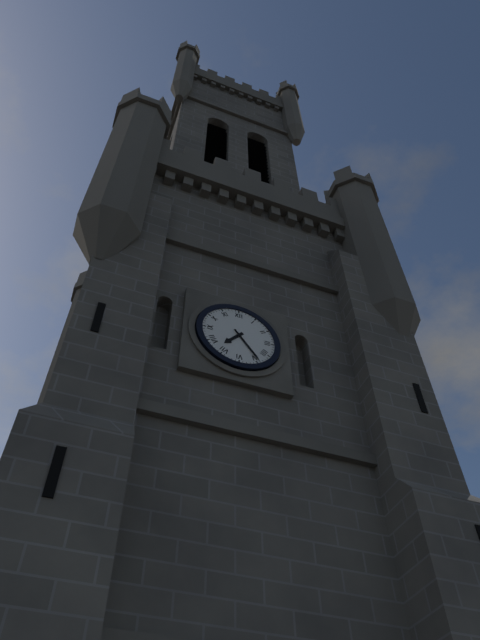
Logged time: {"hour": 7, "minute": 24}
